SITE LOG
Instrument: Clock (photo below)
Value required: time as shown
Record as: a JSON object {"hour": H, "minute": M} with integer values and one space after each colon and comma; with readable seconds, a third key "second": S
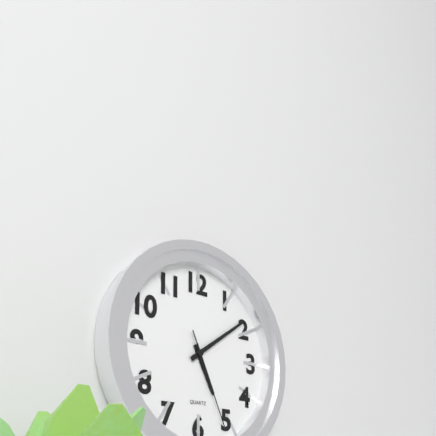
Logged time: {"hour": 5, "minute": 9, "second": 26}
